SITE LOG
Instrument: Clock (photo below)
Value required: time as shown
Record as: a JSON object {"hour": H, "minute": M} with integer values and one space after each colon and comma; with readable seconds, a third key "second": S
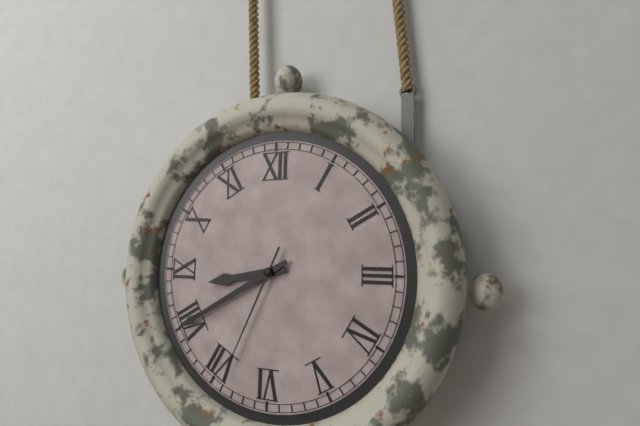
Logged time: {"hour": 8, "minute": 40, "second": 34}
